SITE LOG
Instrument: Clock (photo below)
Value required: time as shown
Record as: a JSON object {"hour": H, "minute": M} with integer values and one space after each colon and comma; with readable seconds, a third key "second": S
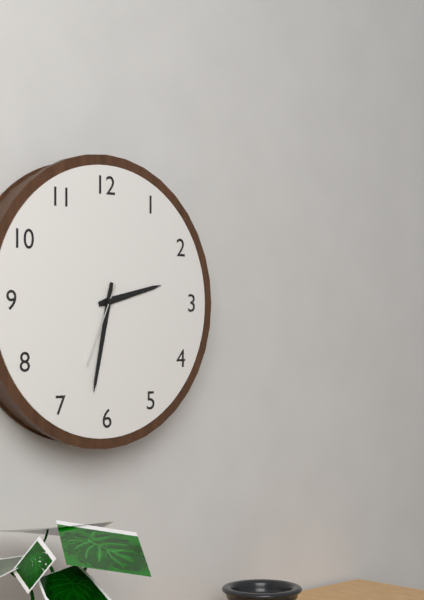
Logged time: {"hour": 2, "minute": 32, "second": 34}
